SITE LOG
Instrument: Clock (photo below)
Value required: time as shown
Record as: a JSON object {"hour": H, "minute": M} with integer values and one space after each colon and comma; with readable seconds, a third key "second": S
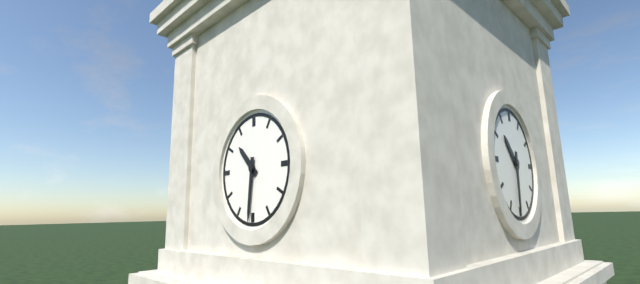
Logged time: {"hour": 10, "minute": 31}
